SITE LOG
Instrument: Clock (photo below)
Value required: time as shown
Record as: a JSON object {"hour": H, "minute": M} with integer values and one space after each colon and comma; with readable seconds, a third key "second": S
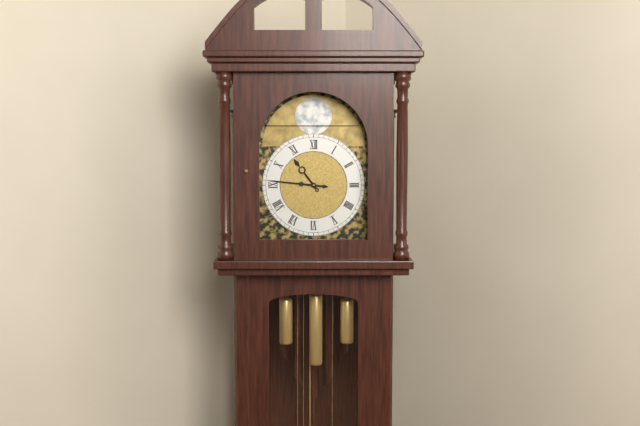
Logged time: {"hour": 10, "minute": 46}
